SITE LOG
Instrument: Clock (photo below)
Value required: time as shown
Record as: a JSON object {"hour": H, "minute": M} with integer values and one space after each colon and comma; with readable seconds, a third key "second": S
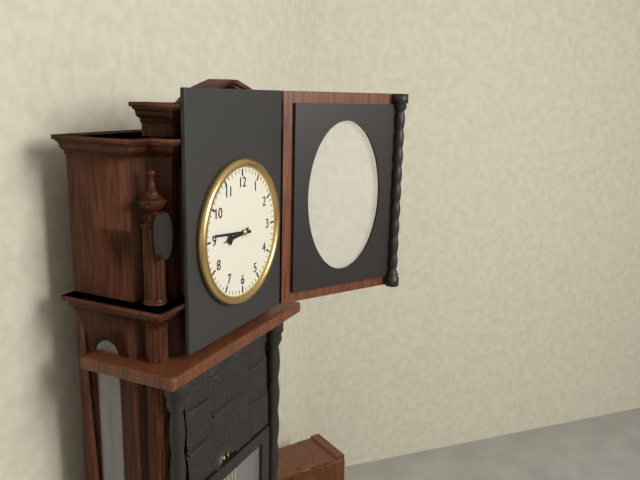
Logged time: {"hour": 8, "minute": 46}
